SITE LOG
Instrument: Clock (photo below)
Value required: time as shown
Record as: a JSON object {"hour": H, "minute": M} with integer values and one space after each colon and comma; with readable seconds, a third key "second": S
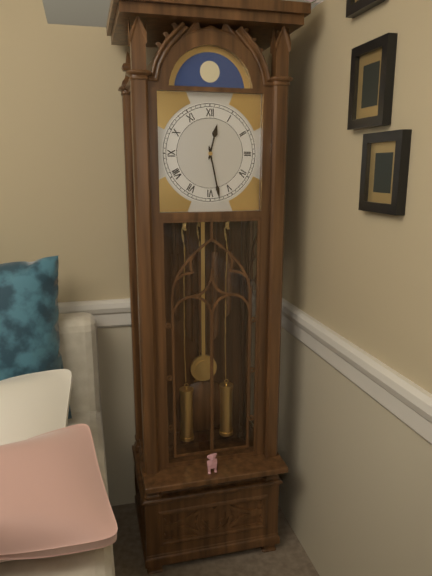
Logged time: {"hour": 12, "minute": 28}
